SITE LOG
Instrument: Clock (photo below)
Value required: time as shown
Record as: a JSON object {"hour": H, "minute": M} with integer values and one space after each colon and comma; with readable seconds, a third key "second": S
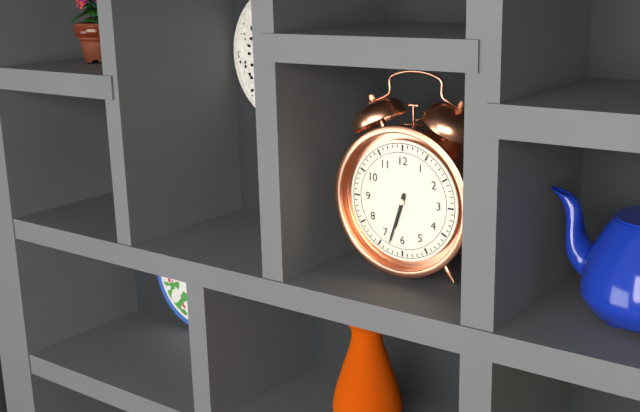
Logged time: {"hour": 6, "minute": 33}
